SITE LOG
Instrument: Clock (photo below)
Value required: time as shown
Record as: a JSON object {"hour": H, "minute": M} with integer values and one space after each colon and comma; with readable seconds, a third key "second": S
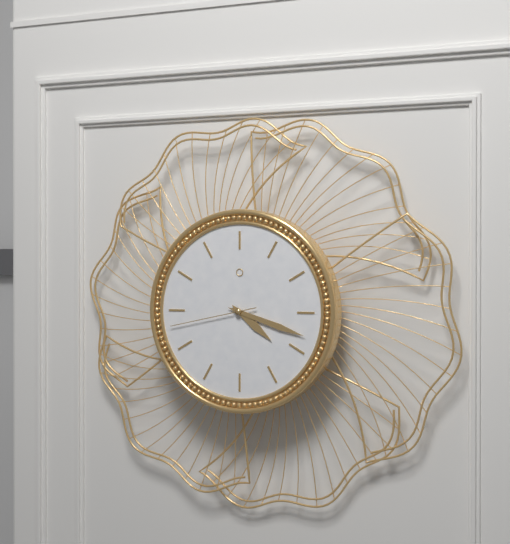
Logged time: {"hour": 4, "minute": 18, "second": 43}
